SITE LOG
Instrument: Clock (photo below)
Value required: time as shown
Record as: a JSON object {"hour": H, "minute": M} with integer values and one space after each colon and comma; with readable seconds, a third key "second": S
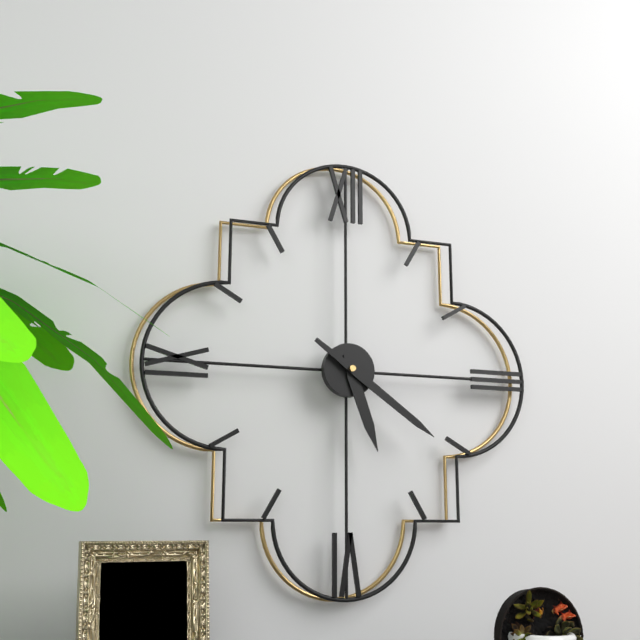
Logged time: {"hour": 5, "minute": 21}
